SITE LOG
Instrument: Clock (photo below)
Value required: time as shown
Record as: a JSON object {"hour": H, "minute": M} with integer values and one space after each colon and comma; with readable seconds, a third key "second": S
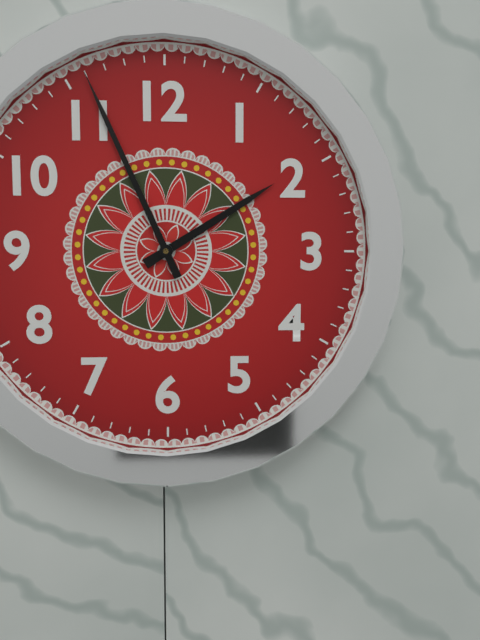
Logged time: {"hour": 1, "minute": 56}
